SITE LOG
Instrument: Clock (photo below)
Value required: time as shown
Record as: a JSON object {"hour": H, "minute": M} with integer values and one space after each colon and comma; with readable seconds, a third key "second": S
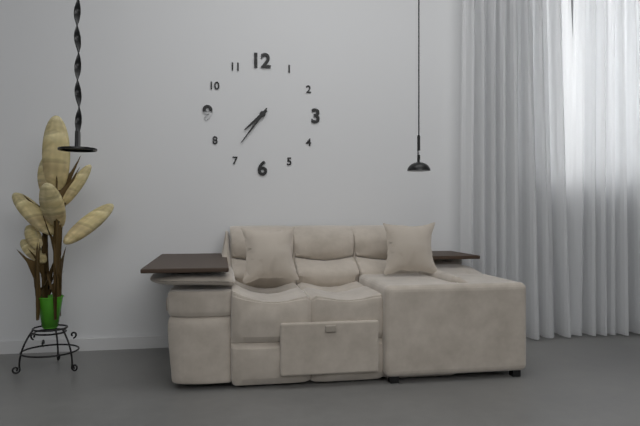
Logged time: {"hour": 7, "minute": 36}
